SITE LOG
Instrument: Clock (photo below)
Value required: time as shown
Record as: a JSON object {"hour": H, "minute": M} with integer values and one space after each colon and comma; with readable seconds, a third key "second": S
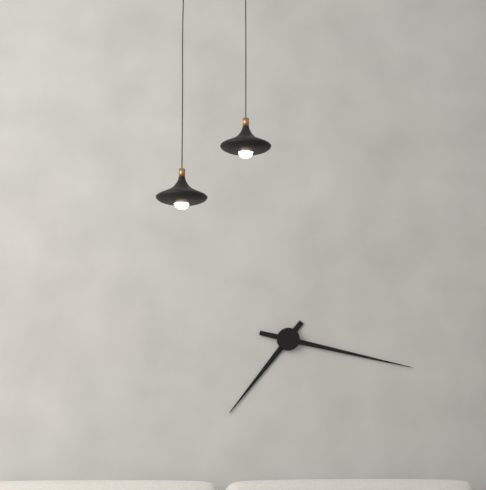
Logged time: {"hour": 7, "minute": 17}
